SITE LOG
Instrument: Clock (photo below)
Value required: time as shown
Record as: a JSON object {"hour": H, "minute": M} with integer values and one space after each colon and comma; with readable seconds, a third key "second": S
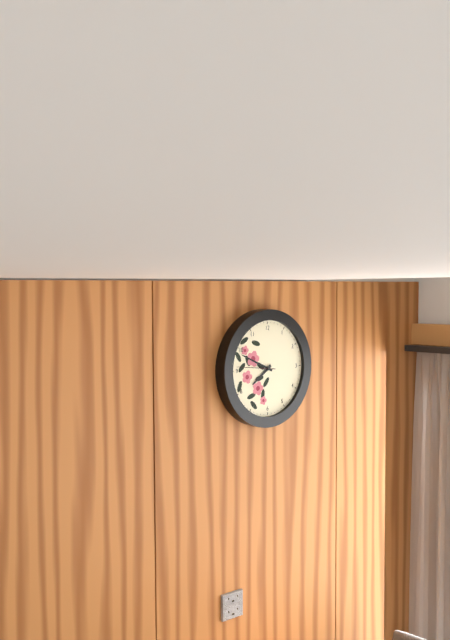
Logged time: {"hour": 7, "minute": 49}
